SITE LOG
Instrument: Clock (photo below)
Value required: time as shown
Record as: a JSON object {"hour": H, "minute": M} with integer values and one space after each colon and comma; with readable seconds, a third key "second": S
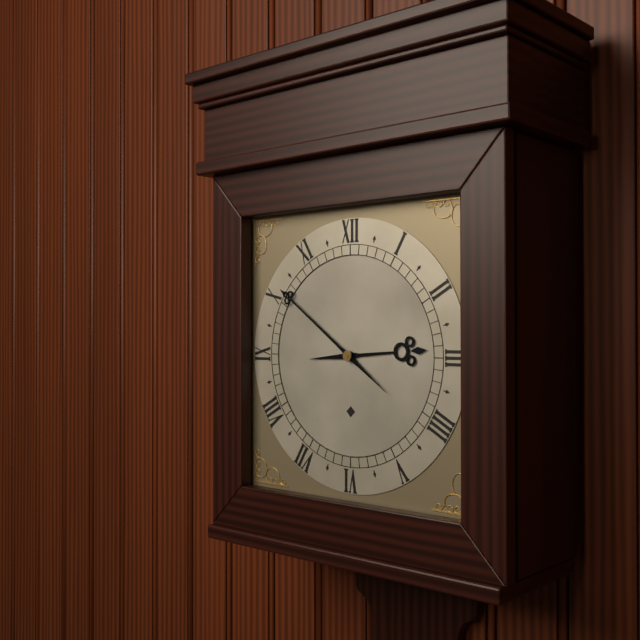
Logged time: {"hour": 2, "minute": 51}
